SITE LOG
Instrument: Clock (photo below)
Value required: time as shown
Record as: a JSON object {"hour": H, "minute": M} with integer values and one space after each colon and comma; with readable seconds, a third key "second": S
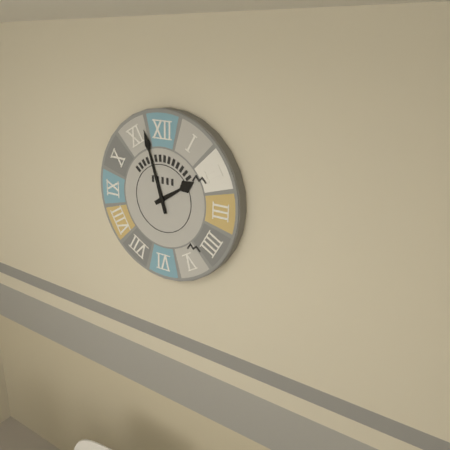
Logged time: {"hour": 1, "minute": 57}
